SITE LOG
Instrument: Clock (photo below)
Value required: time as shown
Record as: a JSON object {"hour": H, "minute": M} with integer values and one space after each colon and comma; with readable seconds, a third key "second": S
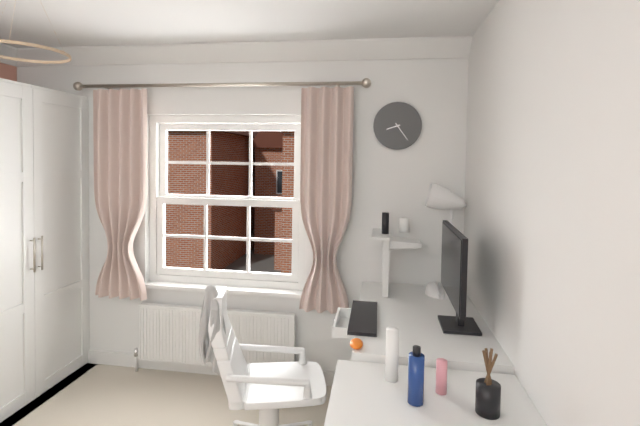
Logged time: {"hour": 8, "minute": 24}
